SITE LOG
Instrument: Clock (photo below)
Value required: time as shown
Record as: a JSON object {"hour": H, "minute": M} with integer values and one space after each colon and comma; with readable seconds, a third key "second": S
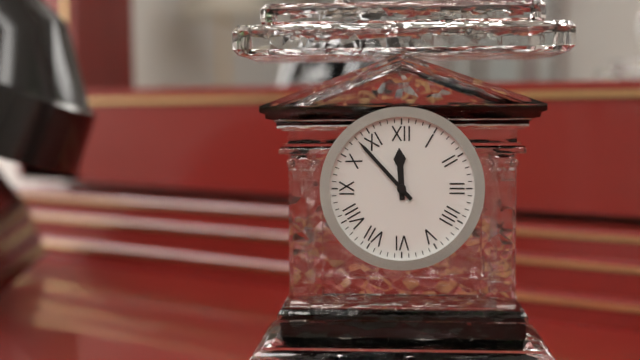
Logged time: {"hour": 11, "minute": 53}
